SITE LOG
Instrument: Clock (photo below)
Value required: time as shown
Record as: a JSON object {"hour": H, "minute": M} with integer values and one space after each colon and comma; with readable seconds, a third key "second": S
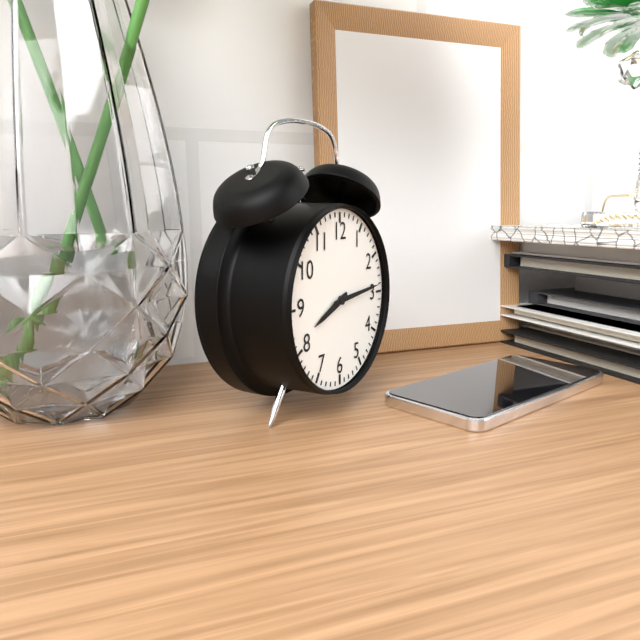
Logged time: {"hour": 8, "minute": 14}
